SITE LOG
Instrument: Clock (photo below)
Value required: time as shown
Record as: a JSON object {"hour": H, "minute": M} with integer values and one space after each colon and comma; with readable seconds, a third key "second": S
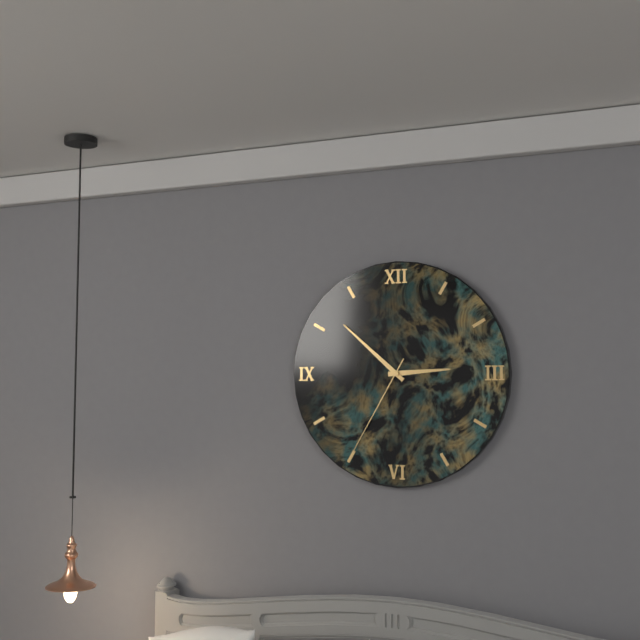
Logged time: {"hour": 2, "minute": 52, "second": 35}
